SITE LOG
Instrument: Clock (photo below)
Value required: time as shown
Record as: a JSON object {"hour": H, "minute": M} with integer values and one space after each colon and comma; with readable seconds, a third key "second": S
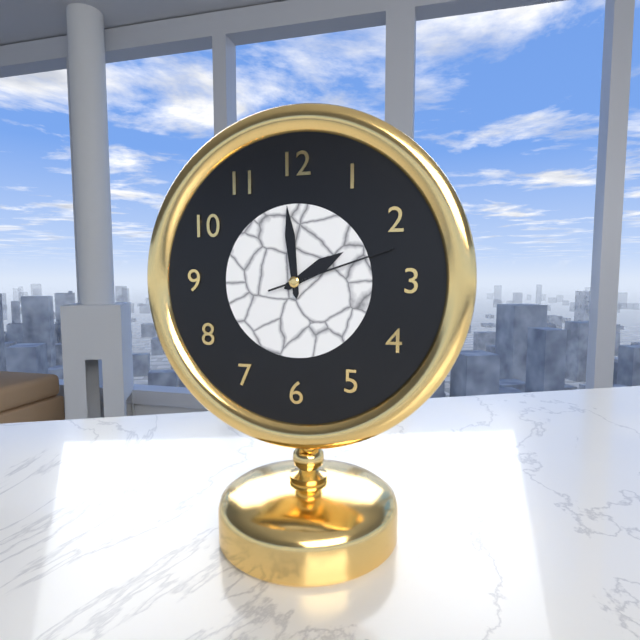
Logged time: {"hour": 1, "minute": 59, "second": 12}
